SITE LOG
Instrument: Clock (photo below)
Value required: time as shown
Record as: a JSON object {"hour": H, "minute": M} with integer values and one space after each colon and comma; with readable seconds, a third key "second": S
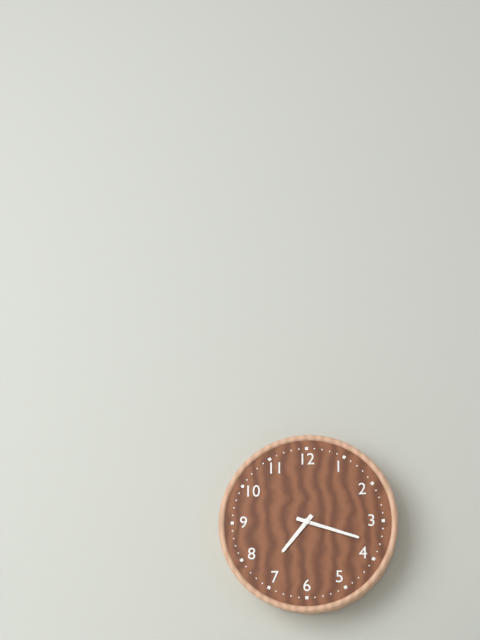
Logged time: {"hour": 7, "minute": 18}
